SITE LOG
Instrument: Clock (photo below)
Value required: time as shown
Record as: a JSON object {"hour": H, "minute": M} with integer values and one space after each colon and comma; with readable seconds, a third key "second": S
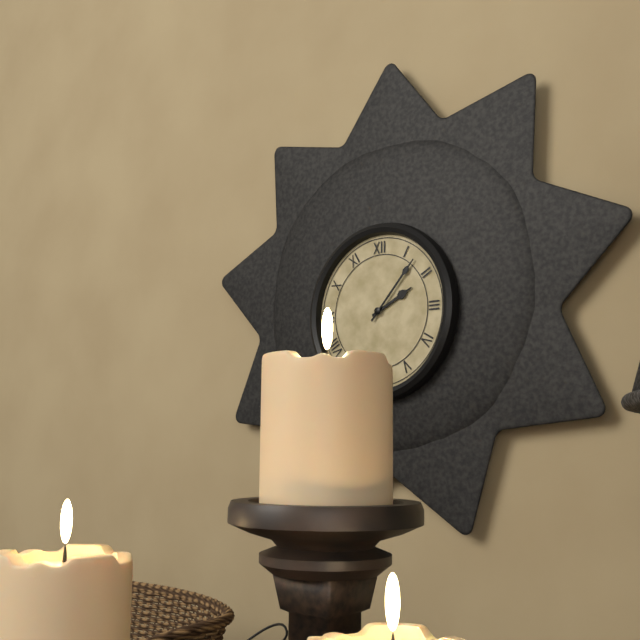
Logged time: {"hour": 2, "minute": 7}
